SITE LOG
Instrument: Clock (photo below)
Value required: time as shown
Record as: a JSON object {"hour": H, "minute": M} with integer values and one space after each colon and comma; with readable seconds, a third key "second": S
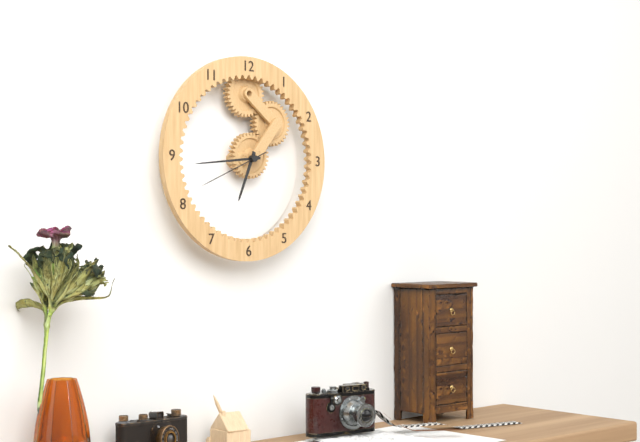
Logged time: {"hour": 6, "minute": 44, "second": 41}
